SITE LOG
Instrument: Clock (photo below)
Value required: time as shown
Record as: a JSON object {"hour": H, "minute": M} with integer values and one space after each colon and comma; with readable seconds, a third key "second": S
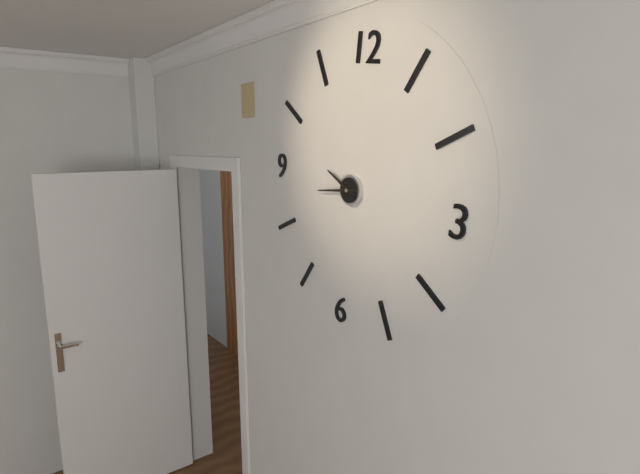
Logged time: {"hour": 9, "minute": 43}
